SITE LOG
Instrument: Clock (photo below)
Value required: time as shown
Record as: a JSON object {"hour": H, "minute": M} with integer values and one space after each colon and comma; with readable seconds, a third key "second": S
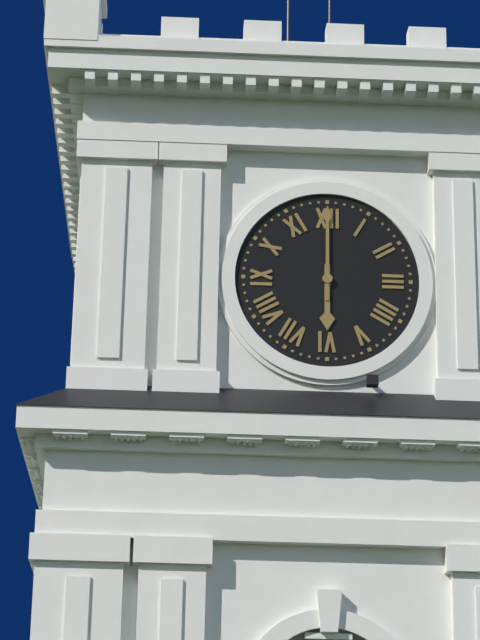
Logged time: {"hour": 6, "minute": 0}
